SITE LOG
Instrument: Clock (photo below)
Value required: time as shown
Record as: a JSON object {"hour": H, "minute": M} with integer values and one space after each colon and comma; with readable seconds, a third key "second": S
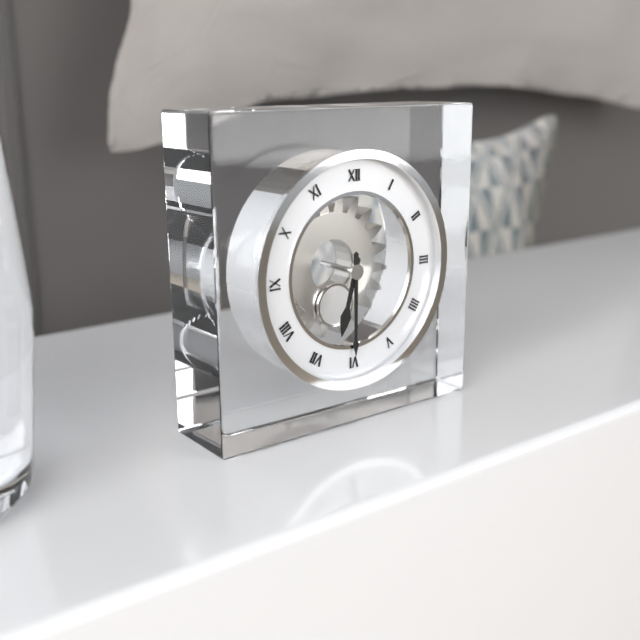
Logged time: {"hour": 6, "minute": 30}
